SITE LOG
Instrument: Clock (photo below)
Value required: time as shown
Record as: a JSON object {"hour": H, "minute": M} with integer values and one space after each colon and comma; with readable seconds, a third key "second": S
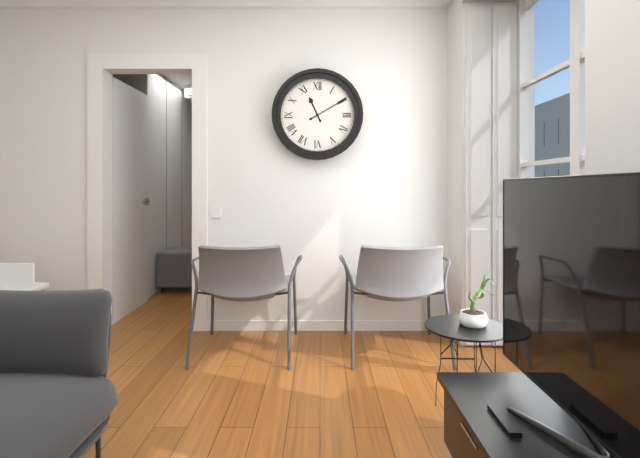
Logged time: {"hour": 11, "minute": 10}
